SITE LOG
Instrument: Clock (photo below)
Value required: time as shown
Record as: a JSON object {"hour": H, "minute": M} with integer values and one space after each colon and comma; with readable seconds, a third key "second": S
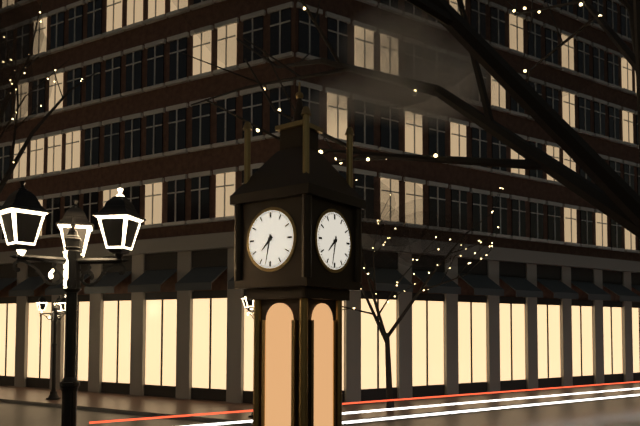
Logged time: {"hour": 7, "minute": 32}
